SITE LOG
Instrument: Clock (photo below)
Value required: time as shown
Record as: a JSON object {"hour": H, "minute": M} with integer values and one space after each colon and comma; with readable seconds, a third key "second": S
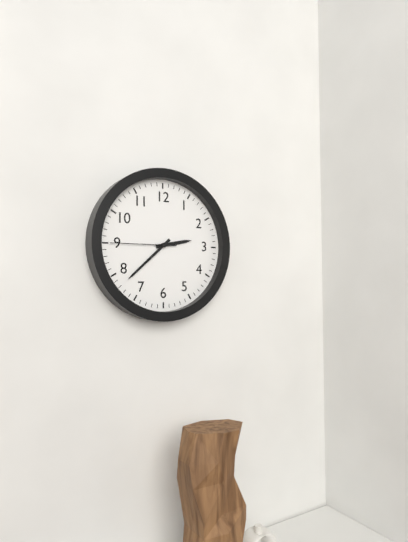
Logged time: {"hour": 2, "minute": 38, "second": 45}
